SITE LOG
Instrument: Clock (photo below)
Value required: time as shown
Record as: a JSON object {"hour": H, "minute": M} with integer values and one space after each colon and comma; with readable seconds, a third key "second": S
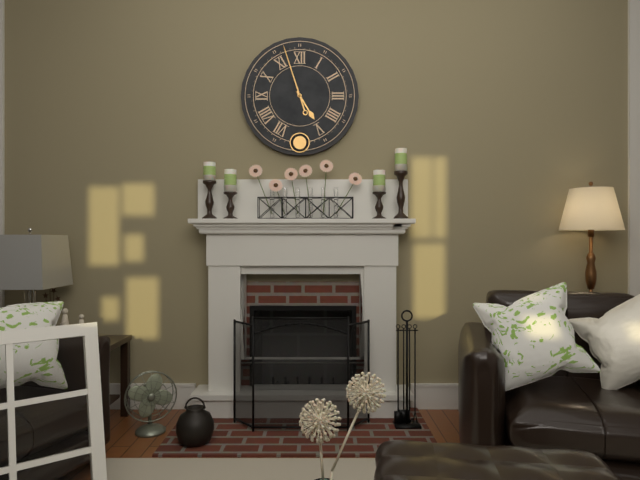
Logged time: {"hour": 4, "minute": 57}
